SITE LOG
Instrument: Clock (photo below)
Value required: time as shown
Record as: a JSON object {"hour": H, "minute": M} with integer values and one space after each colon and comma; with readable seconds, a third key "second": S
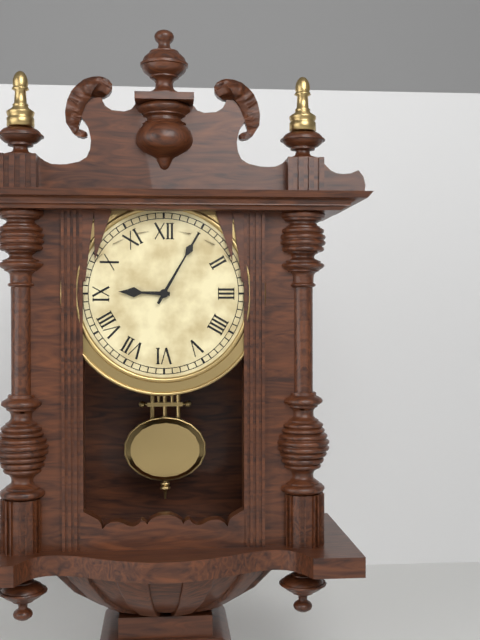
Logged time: {"hour": 9, "minute": 5}
